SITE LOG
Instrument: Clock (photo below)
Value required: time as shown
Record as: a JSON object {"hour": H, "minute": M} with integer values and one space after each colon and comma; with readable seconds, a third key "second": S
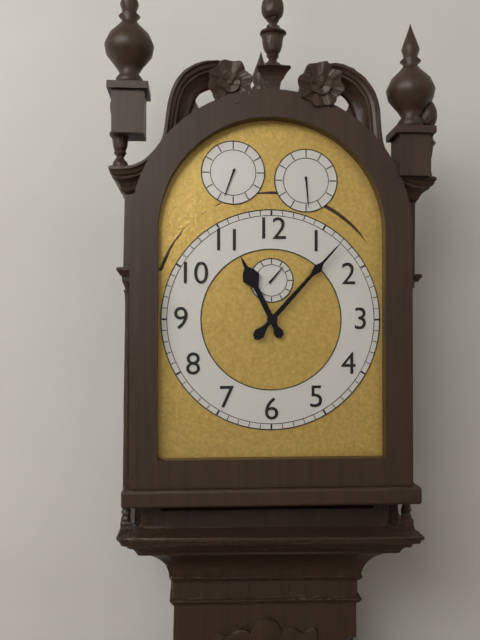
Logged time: {"hour": 11, "minute": 7}
